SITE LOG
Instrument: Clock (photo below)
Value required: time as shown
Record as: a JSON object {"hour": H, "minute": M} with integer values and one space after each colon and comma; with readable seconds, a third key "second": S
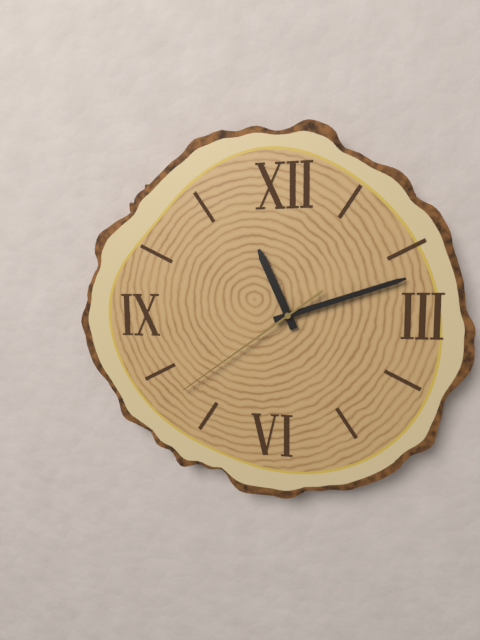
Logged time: {"hour": 11, "minute": 12, "second": 39}
